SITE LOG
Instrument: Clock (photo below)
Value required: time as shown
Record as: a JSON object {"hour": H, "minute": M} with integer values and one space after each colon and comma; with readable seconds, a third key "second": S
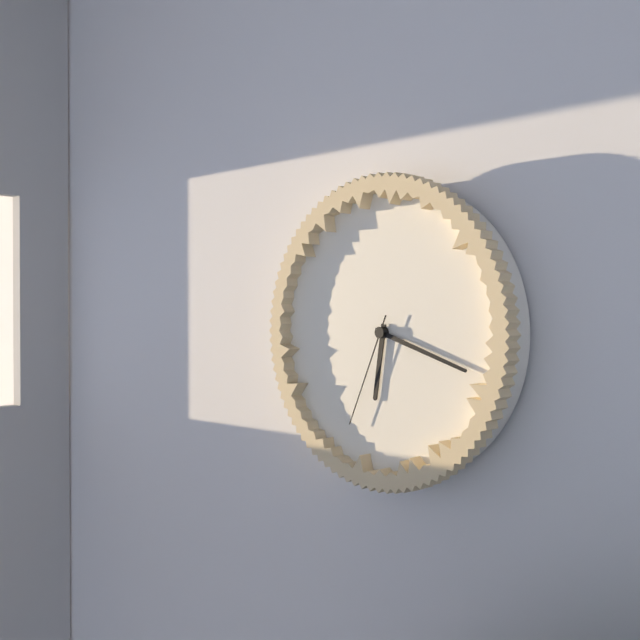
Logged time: {"hour": 6, "minute": 18, "second": 34}
